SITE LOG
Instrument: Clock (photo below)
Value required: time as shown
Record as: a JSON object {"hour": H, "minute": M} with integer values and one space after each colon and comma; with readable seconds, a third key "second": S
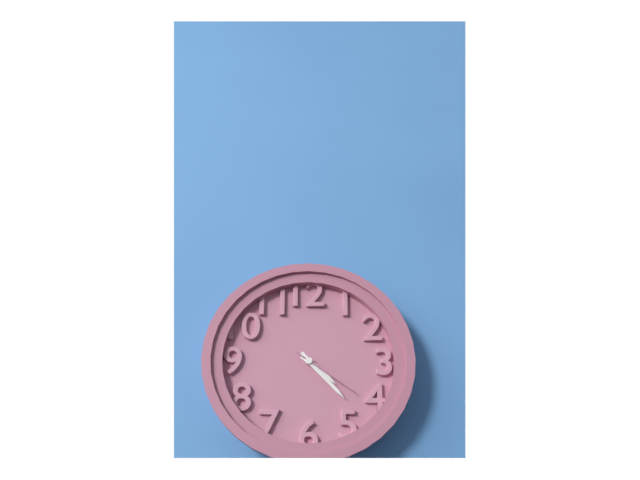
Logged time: {"hour": 4, "minute": 23, "second": 21}
